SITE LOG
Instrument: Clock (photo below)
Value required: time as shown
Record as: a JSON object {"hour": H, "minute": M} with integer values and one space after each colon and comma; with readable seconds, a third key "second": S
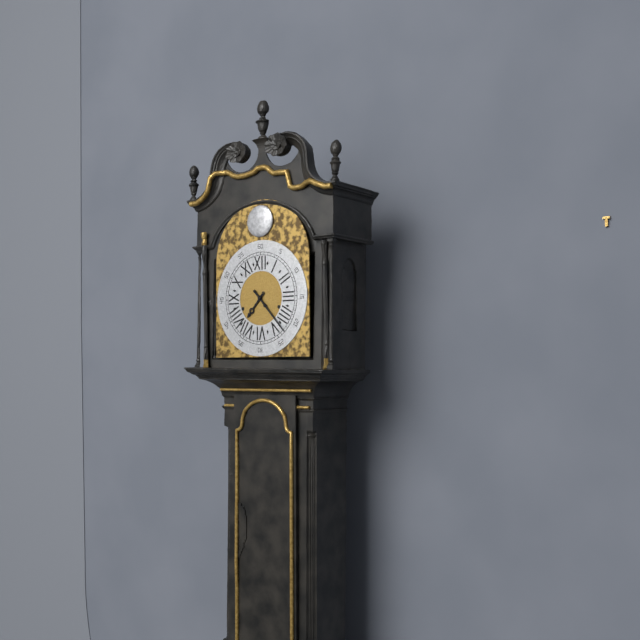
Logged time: {"hour": 7, "minute": 23}
